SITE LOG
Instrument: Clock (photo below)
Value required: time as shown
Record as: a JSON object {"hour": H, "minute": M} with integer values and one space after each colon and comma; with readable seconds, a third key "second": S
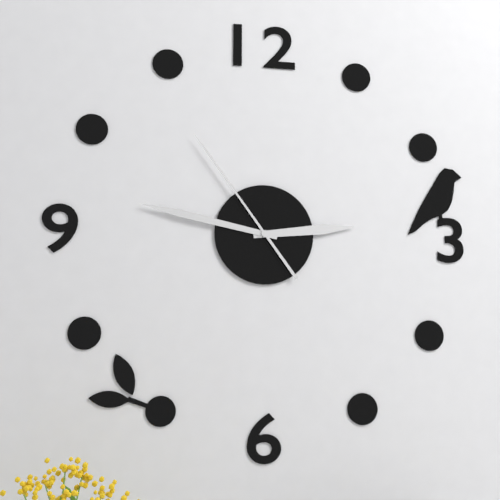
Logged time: {"hour": 2, "minute": 47, "second": 54}
